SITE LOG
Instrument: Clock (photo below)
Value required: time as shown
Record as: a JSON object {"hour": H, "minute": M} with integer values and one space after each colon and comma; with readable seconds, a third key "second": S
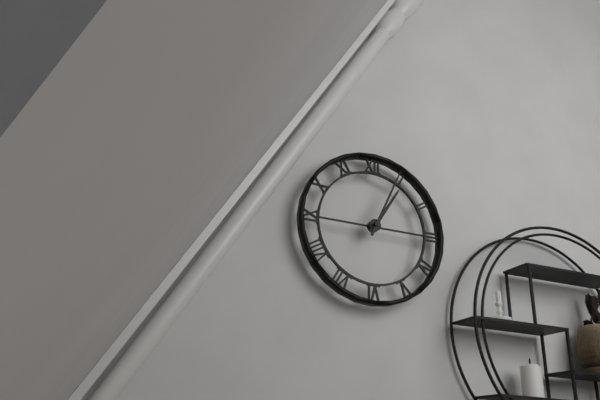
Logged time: {"hour": 1, "minute": 4}
